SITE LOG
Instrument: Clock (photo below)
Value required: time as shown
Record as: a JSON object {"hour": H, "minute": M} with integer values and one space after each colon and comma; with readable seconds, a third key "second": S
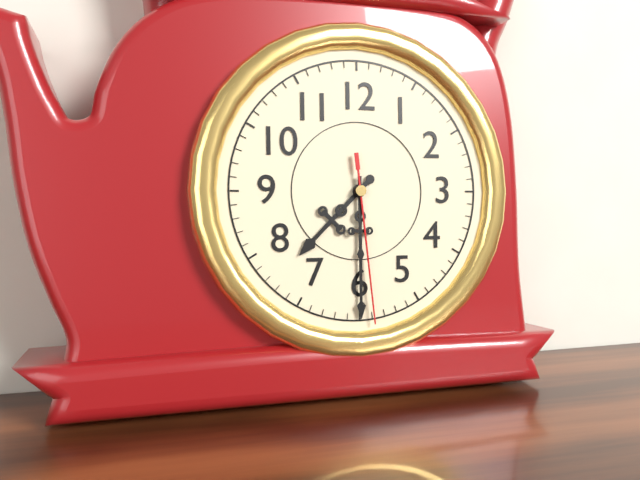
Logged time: {"hour": 7, "minute": 30, "second": 29}
